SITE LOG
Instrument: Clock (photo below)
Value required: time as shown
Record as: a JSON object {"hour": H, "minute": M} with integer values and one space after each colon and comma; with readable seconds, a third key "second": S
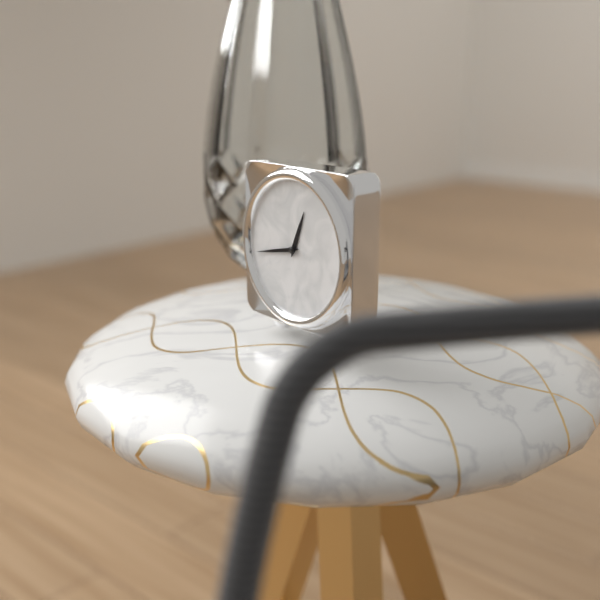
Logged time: {"hour": 12, "minute": 43}
